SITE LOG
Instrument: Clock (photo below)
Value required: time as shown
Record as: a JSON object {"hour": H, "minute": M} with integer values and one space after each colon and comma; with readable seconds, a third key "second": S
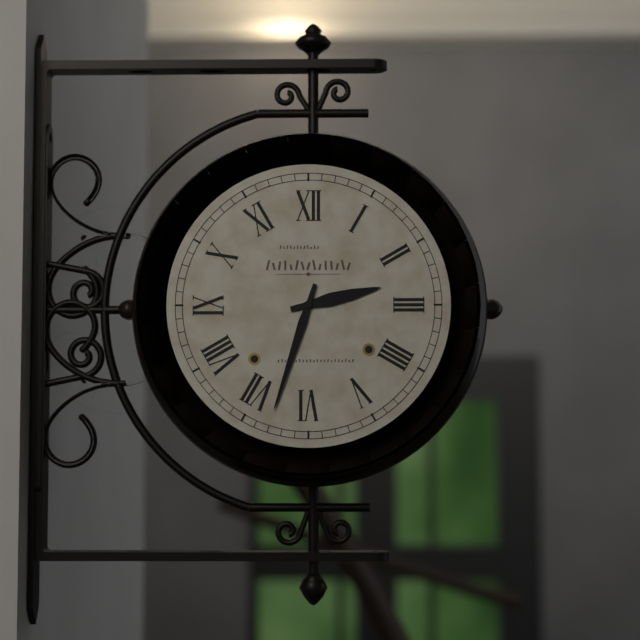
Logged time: {"hour": 2, "minute": 33}
